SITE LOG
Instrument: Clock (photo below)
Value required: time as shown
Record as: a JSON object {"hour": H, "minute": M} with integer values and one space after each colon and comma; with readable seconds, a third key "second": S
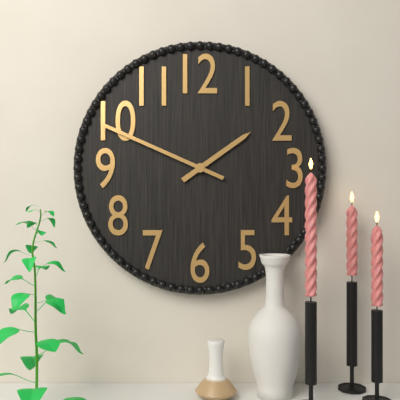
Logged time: {"hour": 1, "minute": 49}
